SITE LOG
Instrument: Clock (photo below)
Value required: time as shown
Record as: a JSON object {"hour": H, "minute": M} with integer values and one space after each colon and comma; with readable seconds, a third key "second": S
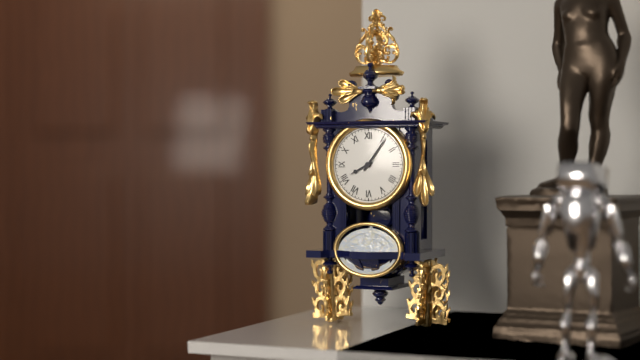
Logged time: {"hour": 8, "minute": 6}
